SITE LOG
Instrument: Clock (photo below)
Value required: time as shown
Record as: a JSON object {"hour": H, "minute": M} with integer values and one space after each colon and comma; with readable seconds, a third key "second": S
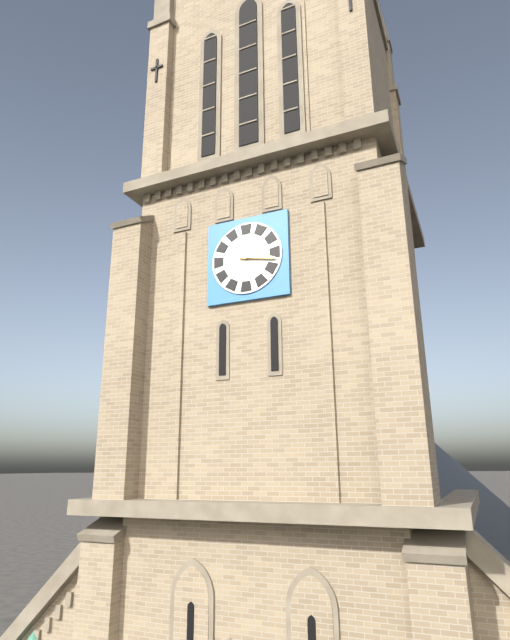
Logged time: {"hour": 3, "minute": 17}
